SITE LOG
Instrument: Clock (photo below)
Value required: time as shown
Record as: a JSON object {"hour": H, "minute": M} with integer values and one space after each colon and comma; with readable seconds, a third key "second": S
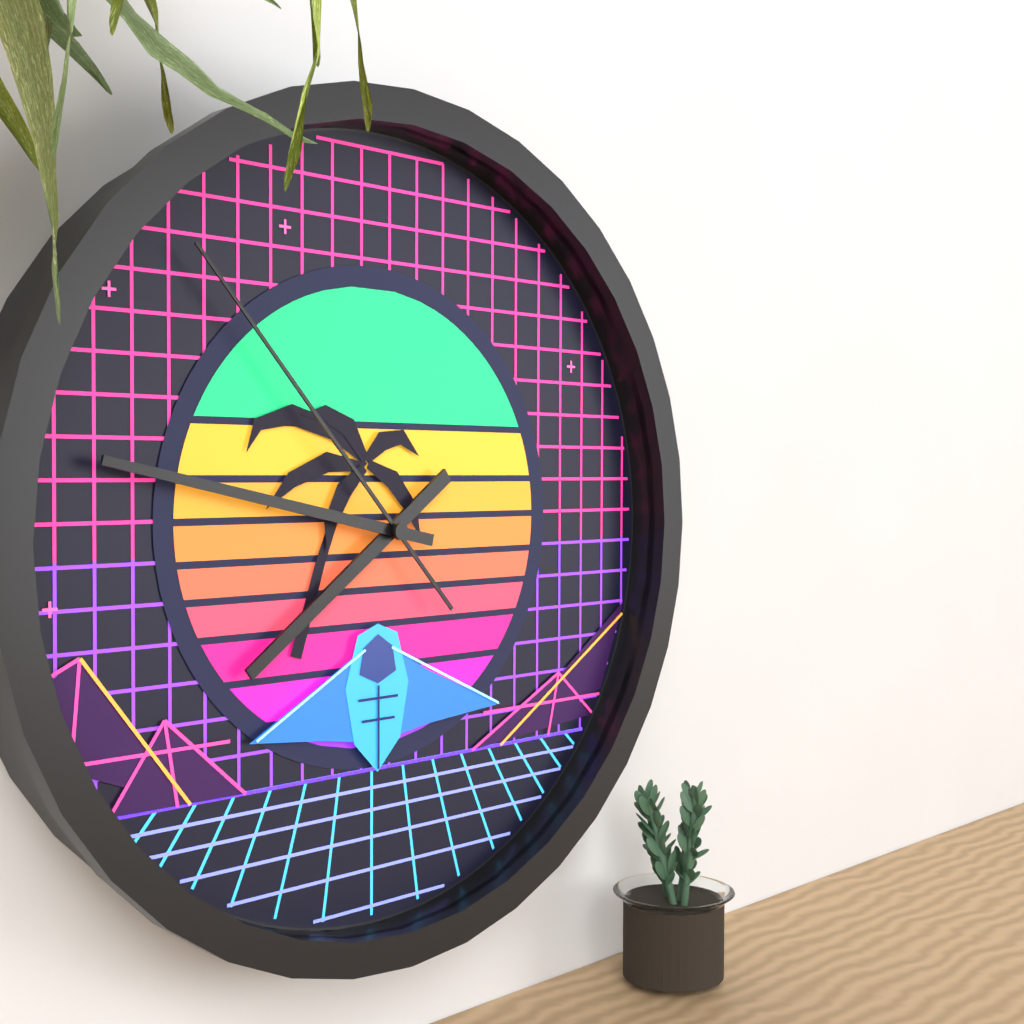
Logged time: {"hour": 7, "minute": 47, "second": 53}
